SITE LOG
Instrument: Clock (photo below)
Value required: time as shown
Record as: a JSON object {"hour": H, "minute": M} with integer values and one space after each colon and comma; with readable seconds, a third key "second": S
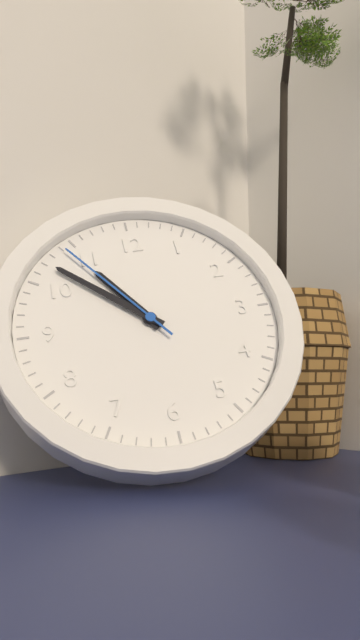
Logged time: {"hour": 10, "minute": 52, "second": 54}
